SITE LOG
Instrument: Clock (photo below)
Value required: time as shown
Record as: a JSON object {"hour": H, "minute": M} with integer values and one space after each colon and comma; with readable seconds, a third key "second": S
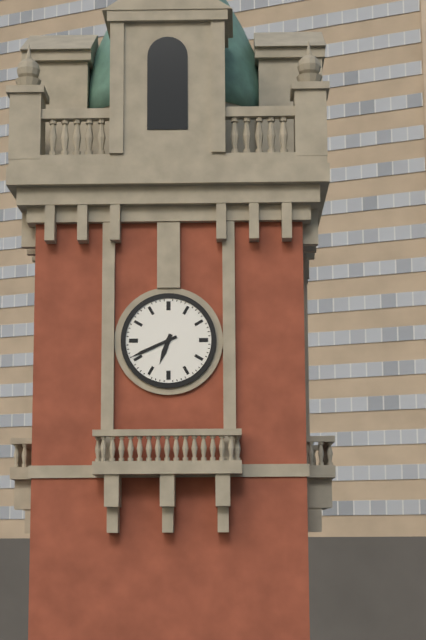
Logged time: {"hour": 6, "minute": 41}
